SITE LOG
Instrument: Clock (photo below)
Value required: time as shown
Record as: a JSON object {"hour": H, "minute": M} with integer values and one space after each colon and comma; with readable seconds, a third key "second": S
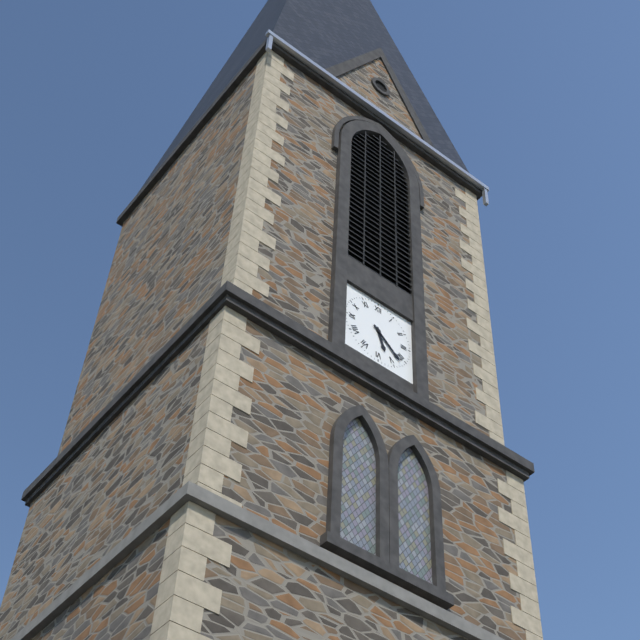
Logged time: {"hour": 5, "minute": 22}
